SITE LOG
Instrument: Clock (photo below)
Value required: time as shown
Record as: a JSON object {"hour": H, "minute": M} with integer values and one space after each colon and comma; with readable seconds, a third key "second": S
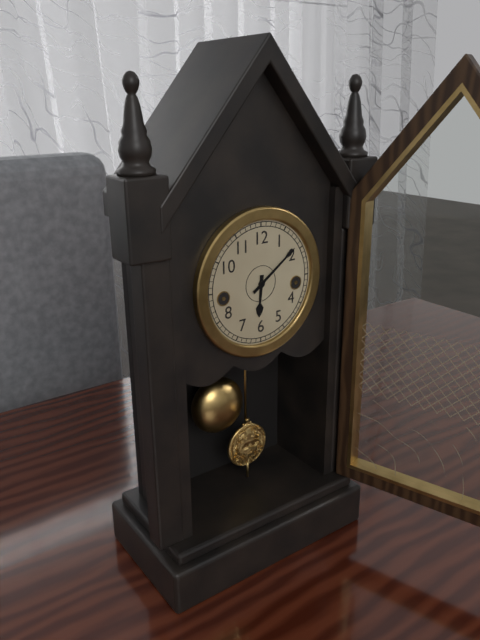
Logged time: {"hour": 6, "minute": 9}
